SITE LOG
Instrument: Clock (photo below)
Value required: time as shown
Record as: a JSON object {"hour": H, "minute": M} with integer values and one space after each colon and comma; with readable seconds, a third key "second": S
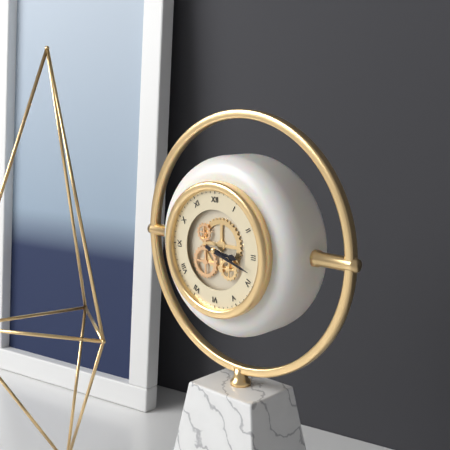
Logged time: {"hour": 3, "minute": 18}
